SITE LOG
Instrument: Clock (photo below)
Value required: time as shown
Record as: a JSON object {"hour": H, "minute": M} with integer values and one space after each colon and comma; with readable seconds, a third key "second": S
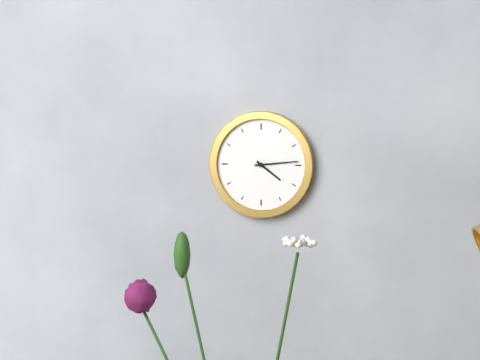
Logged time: {"hour": 4, "minute": 14}
